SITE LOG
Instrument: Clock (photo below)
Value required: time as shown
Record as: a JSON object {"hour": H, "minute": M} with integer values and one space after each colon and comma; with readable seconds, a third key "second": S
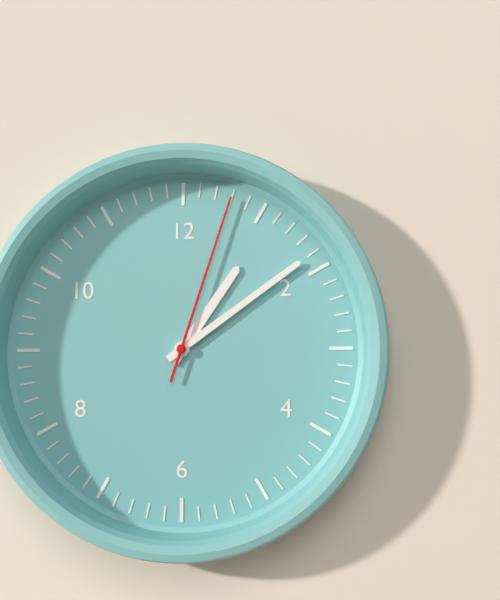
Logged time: {"hour": 1, "minute": 9, "second": 3}
